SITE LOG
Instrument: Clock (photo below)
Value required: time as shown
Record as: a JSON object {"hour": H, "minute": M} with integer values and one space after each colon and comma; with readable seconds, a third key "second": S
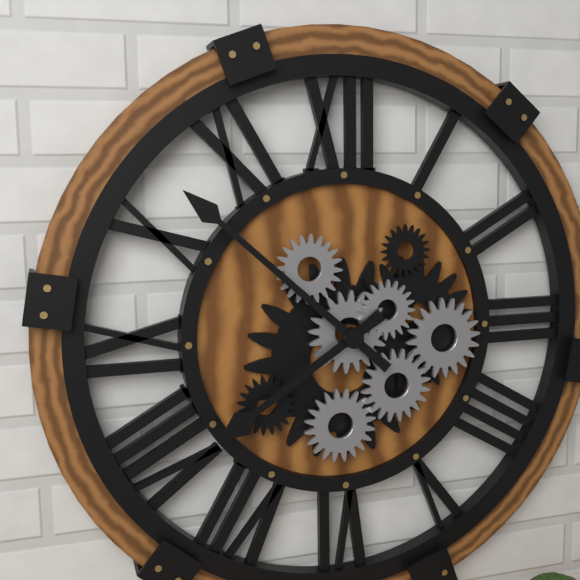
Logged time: {"hour": 7, "minute": 52}
